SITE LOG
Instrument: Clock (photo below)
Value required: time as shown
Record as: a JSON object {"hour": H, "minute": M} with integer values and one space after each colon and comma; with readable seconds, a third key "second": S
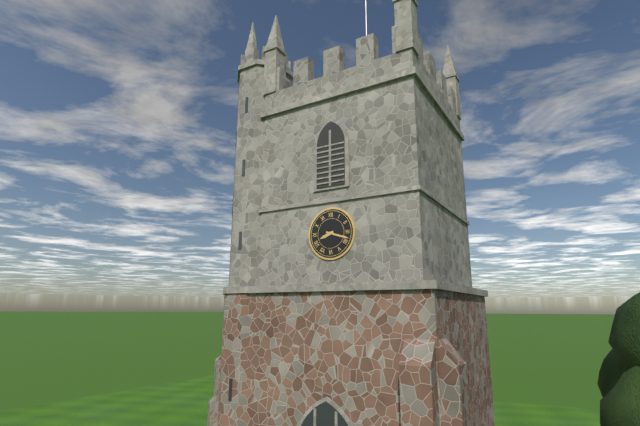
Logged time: {"hour": 8, "minute": 18}
